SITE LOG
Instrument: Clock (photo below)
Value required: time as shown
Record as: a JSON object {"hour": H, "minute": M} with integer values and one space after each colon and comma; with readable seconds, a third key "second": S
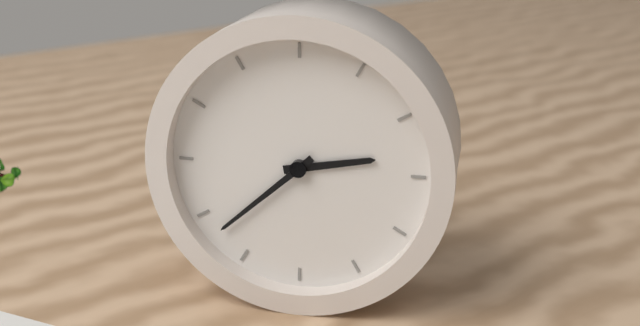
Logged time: {"hour": 2, "minute": 38}
